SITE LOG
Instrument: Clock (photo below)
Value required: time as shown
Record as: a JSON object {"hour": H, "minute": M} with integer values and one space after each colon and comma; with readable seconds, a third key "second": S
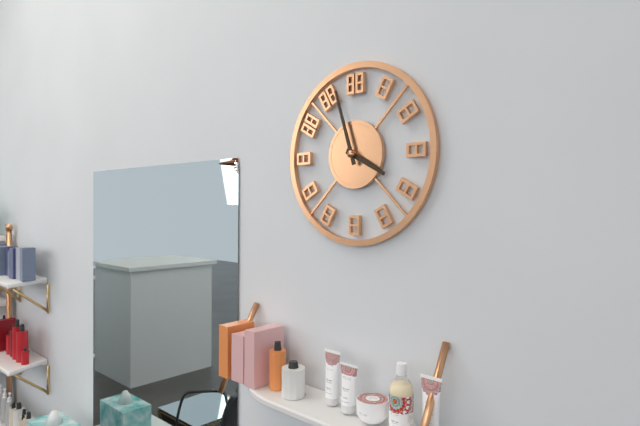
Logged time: {"hour": 3, "minute": 57}
